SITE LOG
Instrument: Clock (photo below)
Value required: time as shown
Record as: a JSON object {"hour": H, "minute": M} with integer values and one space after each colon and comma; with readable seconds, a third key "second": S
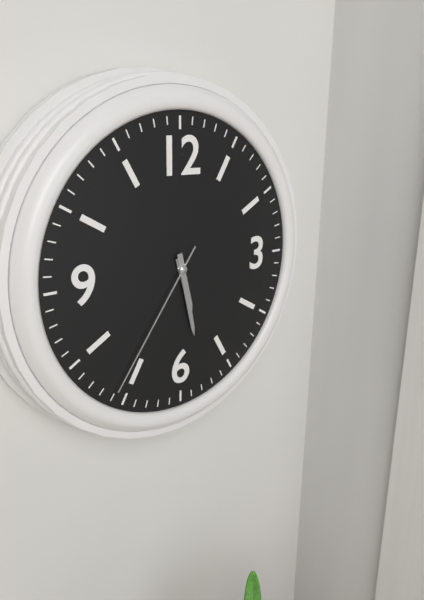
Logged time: {"hour": 5, "minute": 28, "second": 36}
